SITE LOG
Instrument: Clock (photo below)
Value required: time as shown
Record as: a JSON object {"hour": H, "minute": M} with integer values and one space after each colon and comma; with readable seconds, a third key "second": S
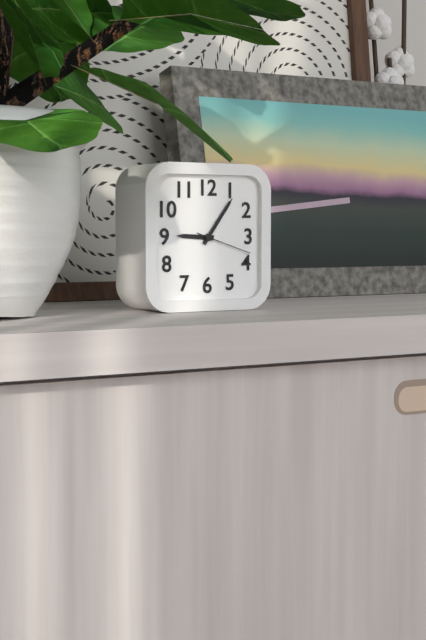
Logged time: {"hour": 9, "minute": 6, "second": 18}
